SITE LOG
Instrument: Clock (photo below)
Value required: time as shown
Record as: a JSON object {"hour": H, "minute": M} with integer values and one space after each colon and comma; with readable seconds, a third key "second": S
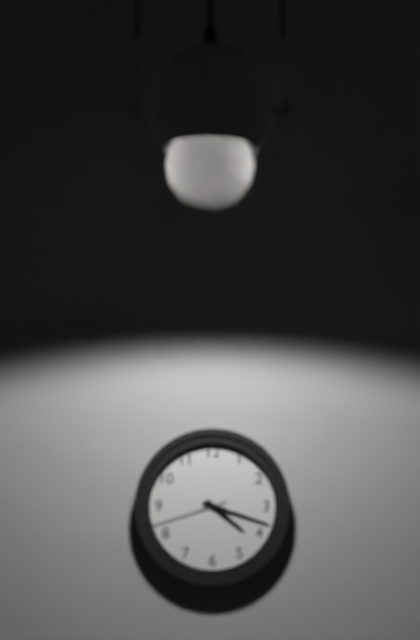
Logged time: {"hour": 4, "minute": 18, "second": 42}
